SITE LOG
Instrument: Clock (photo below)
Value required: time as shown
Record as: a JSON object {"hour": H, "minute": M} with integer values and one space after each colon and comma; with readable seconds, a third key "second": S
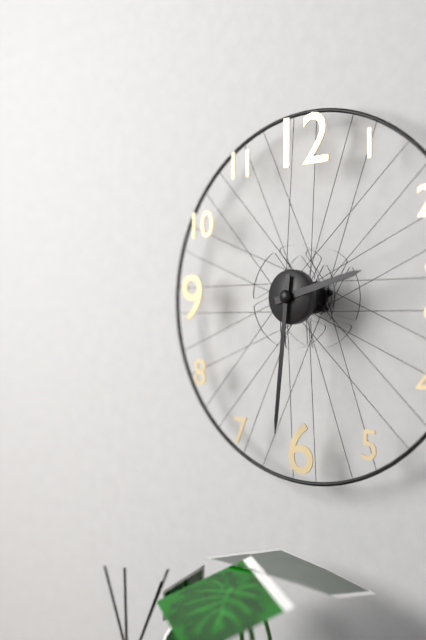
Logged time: {"hour": 2, "minute": 31}
